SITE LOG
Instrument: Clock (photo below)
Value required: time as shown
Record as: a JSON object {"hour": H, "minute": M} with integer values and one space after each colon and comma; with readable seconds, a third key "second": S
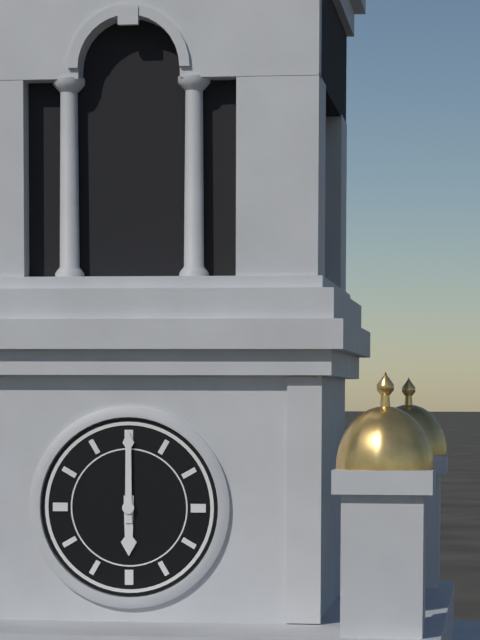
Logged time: {"hour": 6, "minute": 0}
